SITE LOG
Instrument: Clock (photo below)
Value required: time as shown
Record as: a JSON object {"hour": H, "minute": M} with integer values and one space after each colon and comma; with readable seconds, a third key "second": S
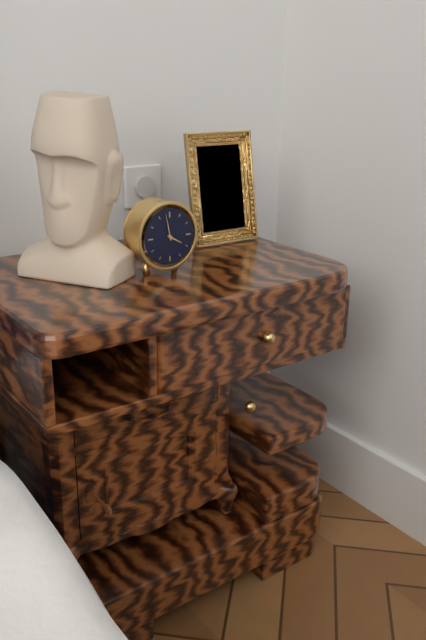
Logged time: {"hour": 3, "minute": 58}
